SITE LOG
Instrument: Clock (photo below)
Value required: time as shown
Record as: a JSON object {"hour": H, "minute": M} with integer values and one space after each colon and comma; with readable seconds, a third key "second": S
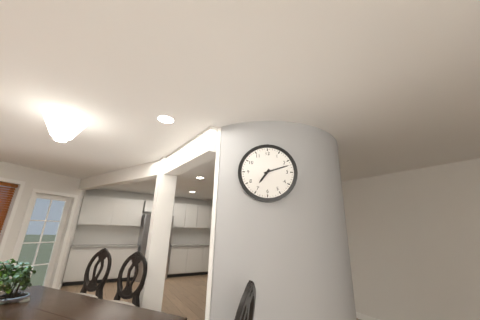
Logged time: {"hour": 7, "minute": 12}
